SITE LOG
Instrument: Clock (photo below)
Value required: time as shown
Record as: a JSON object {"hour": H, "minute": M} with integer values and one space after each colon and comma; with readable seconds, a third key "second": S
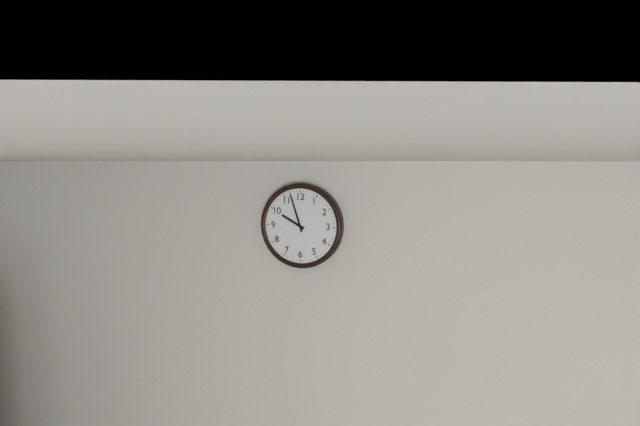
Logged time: {"hour": 9, "minute": 57}
